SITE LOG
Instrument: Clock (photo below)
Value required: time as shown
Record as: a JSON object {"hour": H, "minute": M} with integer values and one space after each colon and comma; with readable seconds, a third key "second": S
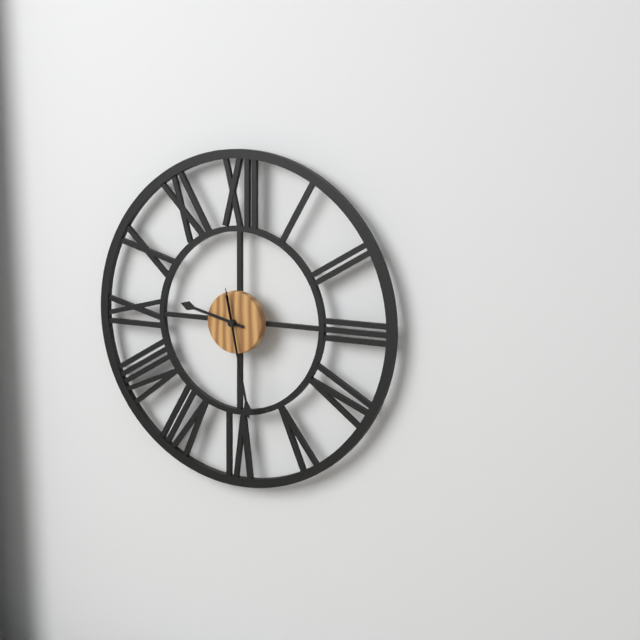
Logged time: {"hour": 9, "minute": 28}
